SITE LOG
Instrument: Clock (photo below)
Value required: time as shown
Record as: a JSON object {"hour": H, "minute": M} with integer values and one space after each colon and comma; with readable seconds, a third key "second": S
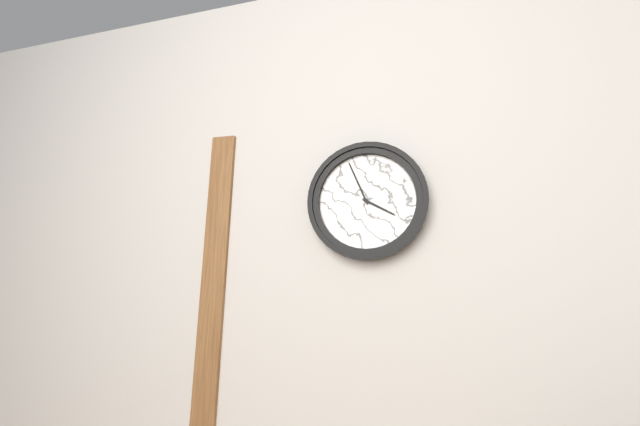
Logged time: {"hour": 3, "minute": 56}
